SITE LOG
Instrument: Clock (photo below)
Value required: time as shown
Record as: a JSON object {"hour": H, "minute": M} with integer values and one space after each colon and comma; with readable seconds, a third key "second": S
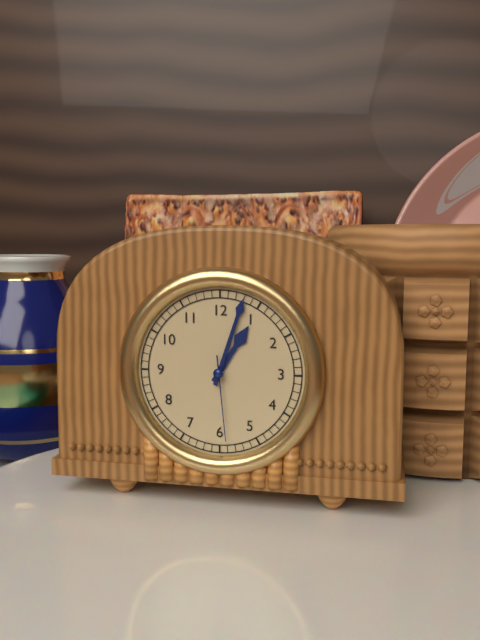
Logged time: {"hour": 1, "minute": 3, "second": 29}
